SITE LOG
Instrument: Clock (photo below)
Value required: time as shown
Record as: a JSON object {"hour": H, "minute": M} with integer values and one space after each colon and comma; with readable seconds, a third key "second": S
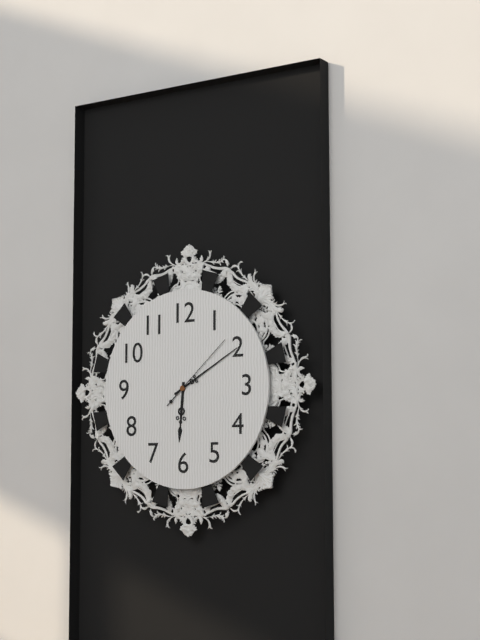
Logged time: {"hour": 6, "minute": 10, "second": 8}
